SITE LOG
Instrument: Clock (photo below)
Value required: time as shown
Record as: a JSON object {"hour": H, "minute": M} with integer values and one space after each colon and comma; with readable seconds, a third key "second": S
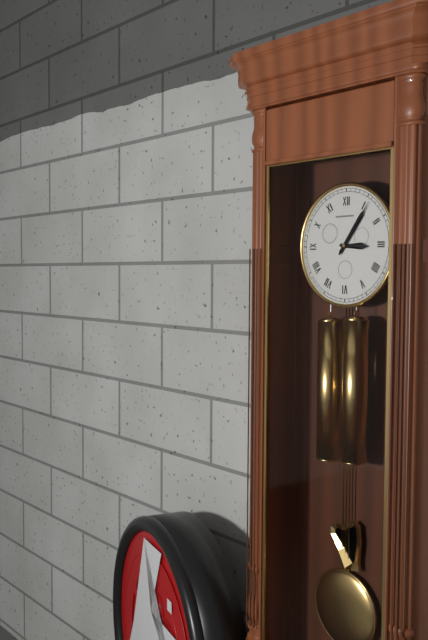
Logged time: {"hour": 3, "minute": 6}
